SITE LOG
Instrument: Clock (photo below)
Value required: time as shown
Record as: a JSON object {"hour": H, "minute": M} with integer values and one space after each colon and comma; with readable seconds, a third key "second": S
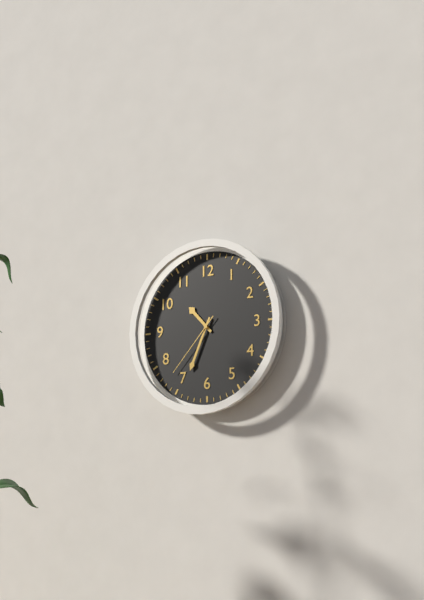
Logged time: {"hour": 10, "minute": 34, "second": 37}
